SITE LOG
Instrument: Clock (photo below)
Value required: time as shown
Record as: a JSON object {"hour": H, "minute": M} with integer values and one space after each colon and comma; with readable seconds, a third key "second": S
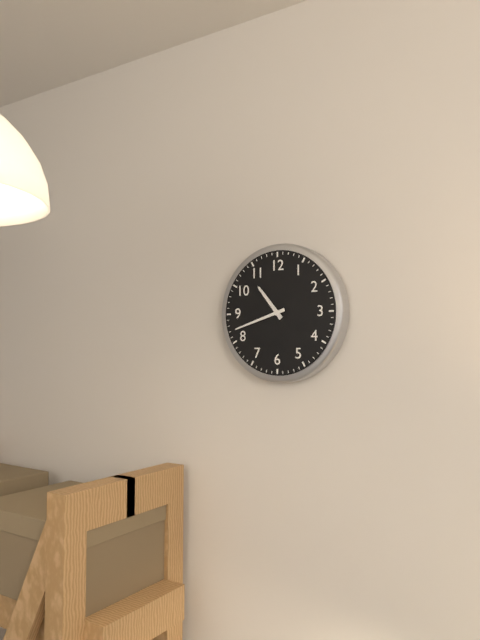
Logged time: {"hour": 10, "minute": 42}
